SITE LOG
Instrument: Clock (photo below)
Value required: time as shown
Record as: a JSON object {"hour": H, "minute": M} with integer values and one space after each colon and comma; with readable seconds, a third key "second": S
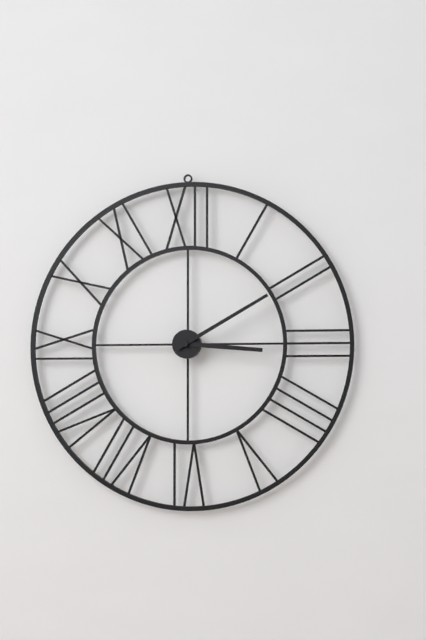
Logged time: {"hour": 3, "minute": 10}
